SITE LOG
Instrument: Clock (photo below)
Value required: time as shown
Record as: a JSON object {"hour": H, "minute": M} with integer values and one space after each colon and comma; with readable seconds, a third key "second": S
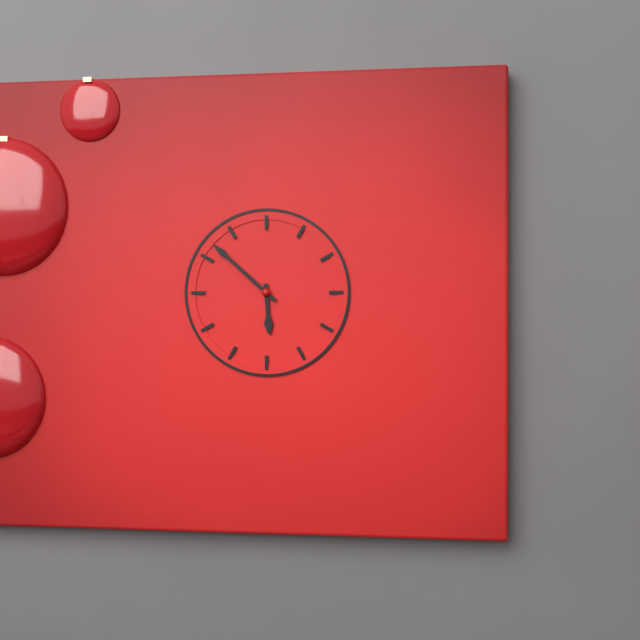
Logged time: {"hour": 5, "minute": 52}
